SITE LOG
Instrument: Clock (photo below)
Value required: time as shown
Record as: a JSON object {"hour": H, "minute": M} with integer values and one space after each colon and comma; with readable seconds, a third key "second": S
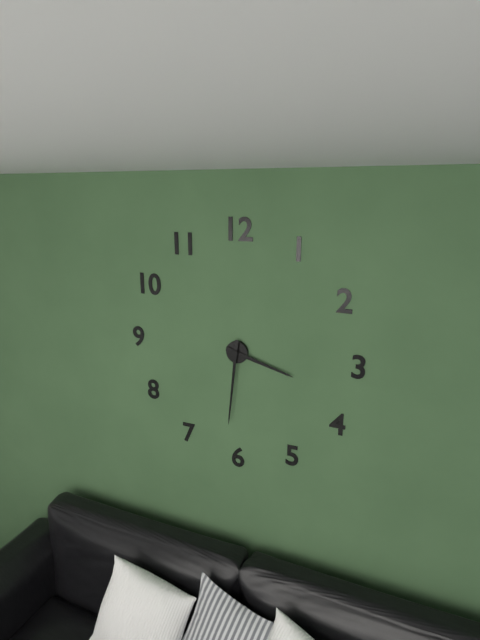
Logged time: {"hour": 3, "minute": 31}
